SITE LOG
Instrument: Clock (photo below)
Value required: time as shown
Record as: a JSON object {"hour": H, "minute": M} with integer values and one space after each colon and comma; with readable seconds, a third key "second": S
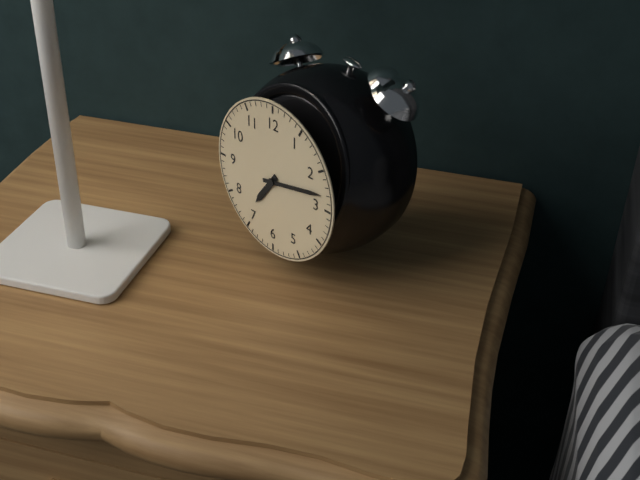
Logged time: {"hour": 7, "minute": 13}
